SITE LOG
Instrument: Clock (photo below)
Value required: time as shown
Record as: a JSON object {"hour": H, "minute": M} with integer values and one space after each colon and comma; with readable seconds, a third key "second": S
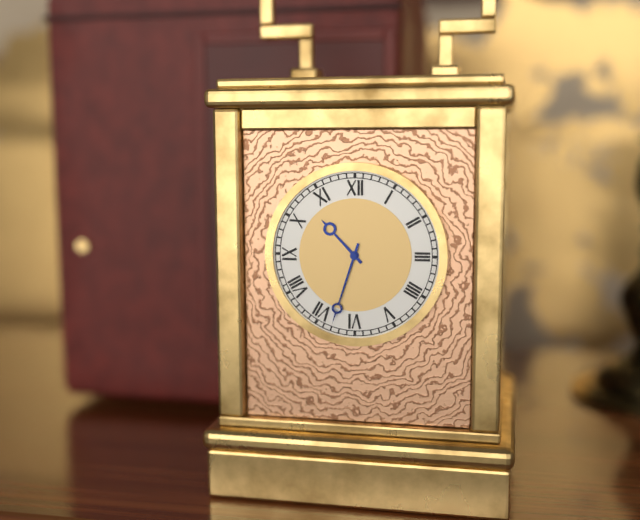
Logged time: {"hour": 10, "minute": 33}
